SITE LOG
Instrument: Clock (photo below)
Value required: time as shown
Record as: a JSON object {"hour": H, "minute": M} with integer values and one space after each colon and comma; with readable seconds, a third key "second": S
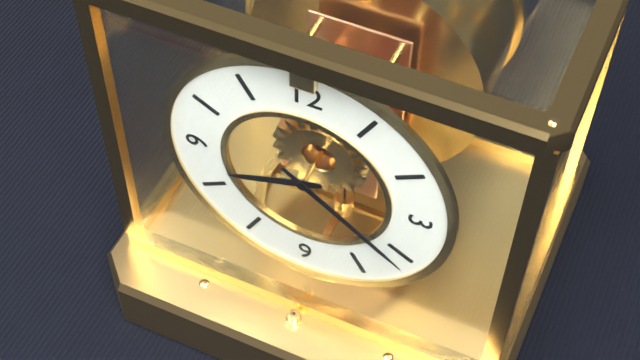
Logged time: {"hour": 8, "minute": 21}
